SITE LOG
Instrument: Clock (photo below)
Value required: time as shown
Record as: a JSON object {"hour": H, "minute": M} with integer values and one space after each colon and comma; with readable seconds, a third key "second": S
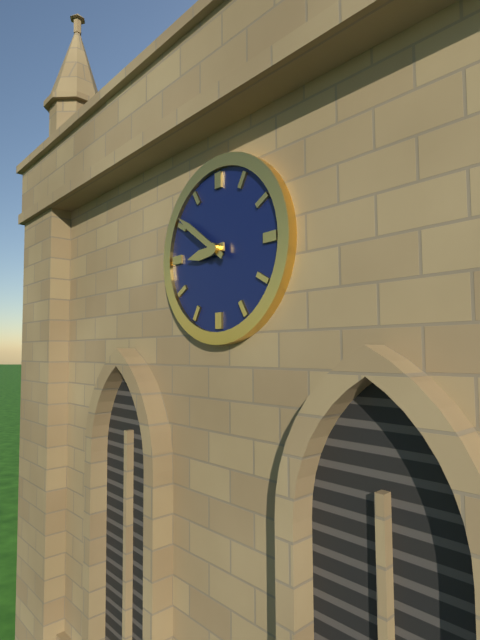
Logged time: {"hour": 8, "minute": 51}
